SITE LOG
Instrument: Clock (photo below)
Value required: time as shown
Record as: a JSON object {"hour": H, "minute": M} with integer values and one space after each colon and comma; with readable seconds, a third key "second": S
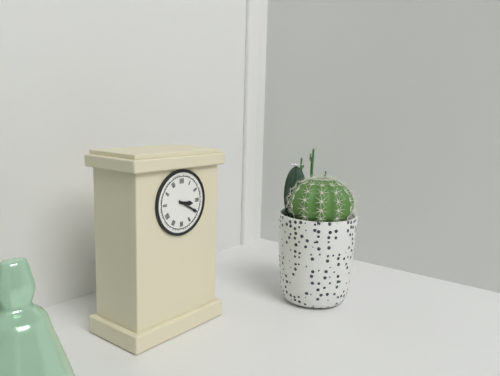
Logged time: {"hour": 3, "minute": 20}
